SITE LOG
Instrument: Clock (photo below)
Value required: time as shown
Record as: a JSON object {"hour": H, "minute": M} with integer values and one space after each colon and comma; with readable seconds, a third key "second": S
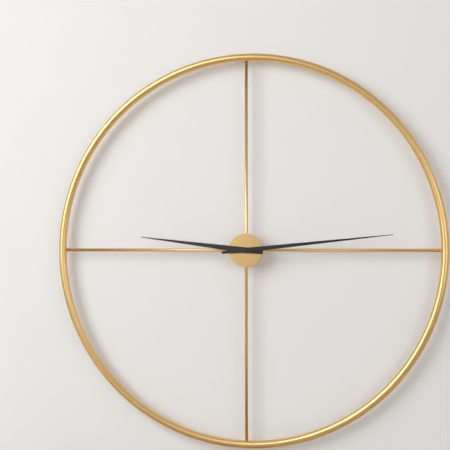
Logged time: {"hour": 9, "minute": 14}
